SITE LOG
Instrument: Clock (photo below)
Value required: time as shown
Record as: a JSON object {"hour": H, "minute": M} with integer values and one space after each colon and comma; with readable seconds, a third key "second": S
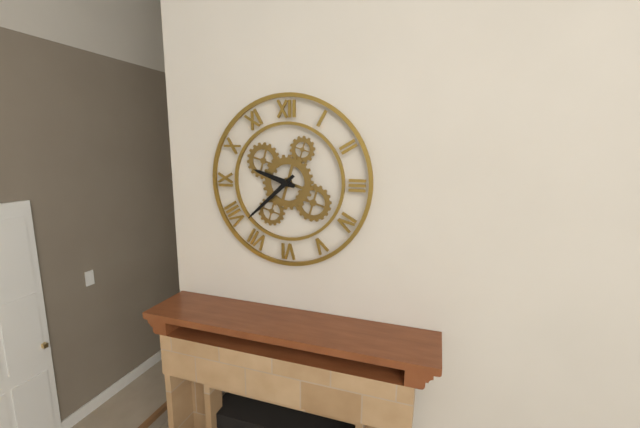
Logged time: {"hour": 9, "minute": 38}
